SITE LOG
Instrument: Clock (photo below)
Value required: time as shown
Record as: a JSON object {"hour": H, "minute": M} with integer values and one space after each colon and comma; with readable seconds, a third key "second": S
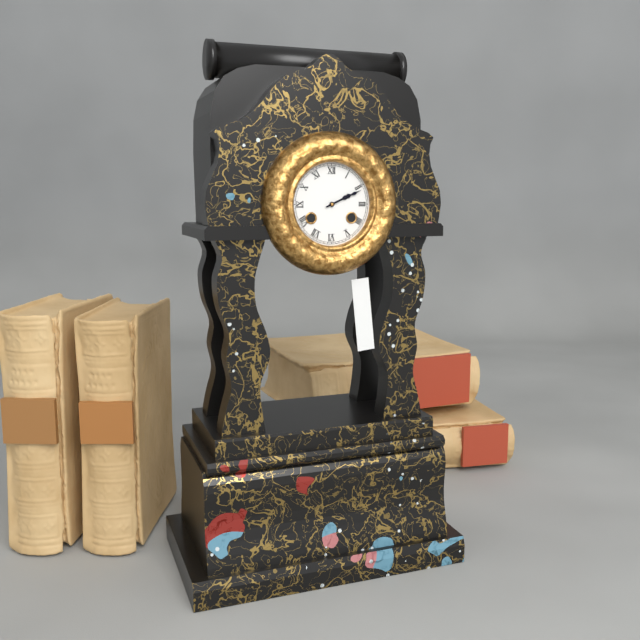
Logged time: {"hour": 2, "minute": 11}
